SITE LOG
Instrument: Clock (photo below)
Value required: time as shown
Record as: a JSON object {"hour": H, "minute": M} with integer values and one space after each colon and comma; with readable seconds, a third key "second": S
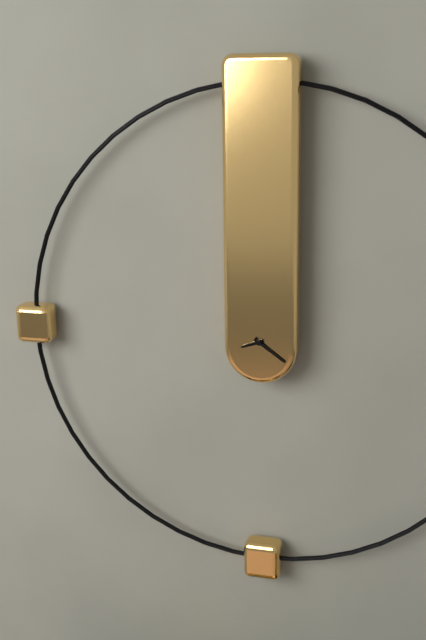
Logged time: {"hour": 8, "minute": 21}
